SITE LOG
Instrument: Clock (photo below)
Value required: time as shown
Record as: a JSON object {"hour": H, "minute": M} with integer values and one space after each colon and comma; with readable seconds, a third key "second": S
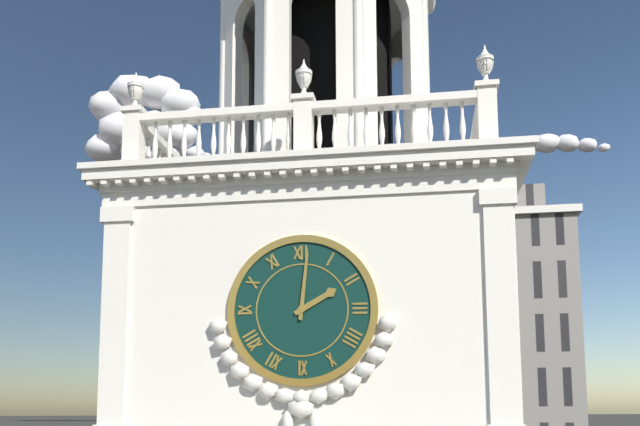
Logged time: {"hour": 2, "minute": 1}
